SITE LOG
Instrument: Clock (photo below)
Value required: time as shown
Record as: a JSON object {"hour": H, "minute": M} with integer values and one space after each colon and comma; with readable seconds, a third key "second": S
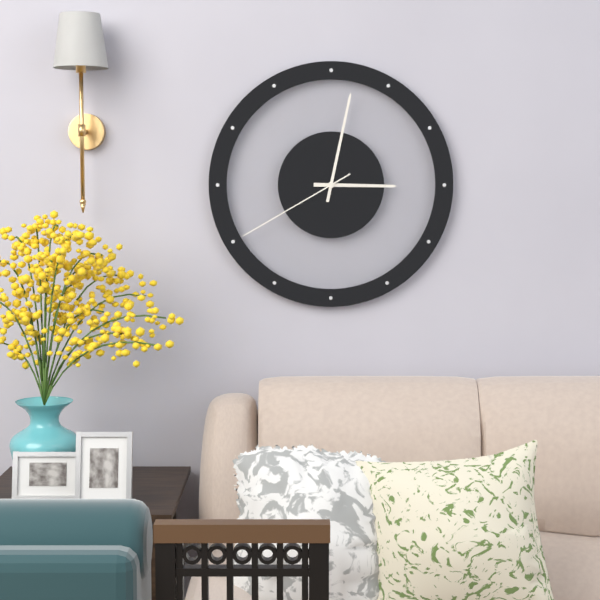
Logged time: {"hour": 3, "minute": 2, "second": 40}
